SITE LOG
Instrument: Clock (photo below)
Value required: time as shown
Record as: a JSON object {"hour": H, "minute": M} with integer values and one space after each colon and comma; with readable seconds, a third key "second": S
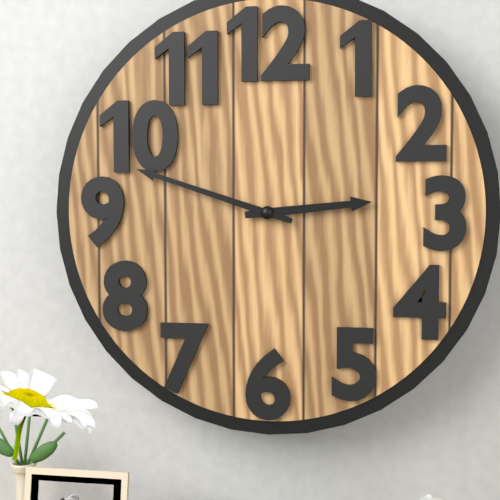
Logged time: {"hour": 2, "minute": 48}
